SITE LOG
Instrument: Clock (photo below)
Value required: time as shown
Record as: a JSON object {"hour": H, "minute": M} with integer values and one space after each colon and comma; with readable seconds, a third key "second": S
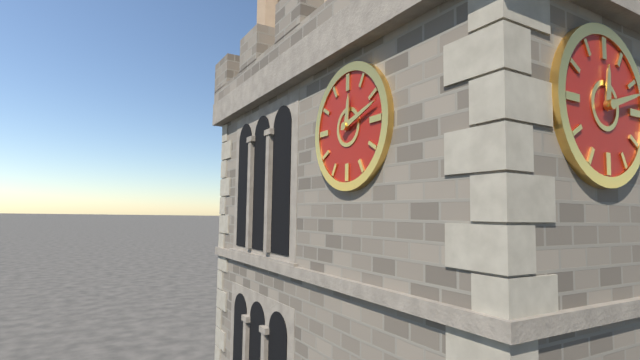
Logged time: {"hour": 12, "minute": 12}
